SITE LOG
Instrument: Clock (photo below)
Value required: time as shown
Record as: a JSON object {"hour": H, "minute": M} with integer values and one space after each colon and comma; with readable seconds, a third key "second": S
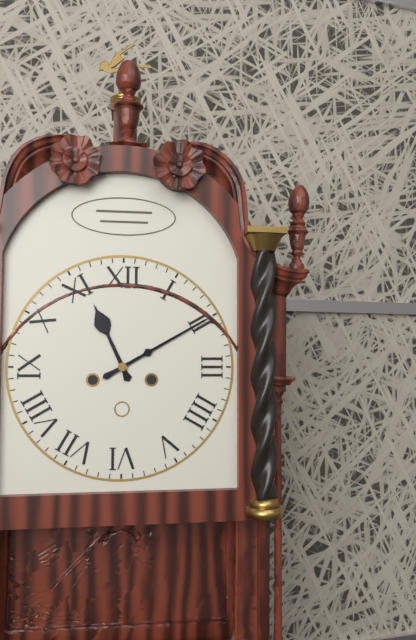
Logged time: {"hour": 11, "minute": 10}
